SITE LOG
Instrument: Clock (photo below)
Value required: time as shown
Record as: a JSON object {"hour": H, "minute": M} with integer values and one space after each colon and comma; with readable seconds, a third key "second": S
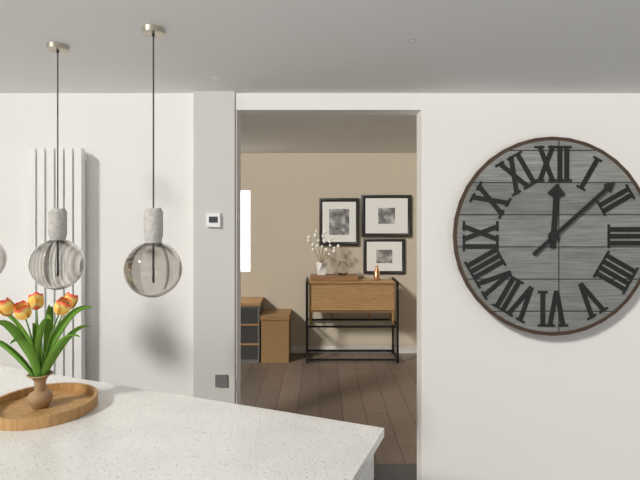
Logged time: {"hour": 12, "minute": 8}
